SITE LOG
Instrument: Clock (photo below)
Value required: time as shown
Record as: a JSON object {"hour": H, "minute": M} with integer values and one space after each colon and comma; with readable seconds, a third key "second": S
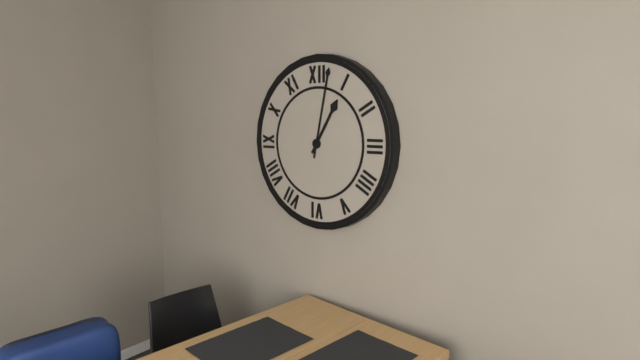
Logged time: {"hour": 1, "minute": 2}
